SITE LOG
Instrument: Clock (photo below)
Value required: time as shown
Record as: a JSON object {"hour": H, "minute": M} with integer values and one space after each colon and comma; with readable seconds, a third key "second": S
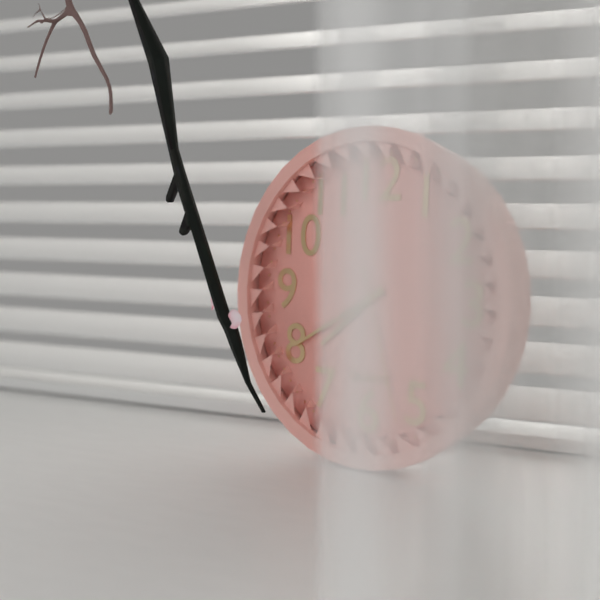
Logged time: {"hour": 7, "minute": 40, "second": 27}
